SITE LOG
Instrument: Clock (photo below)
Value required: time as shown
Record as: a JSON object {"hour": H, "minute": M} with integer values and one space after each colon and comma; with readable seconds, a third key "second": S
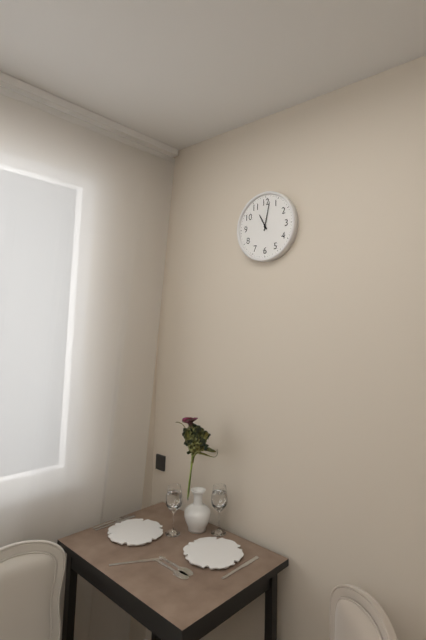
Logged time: {"hour": 11, "minute": 2}
